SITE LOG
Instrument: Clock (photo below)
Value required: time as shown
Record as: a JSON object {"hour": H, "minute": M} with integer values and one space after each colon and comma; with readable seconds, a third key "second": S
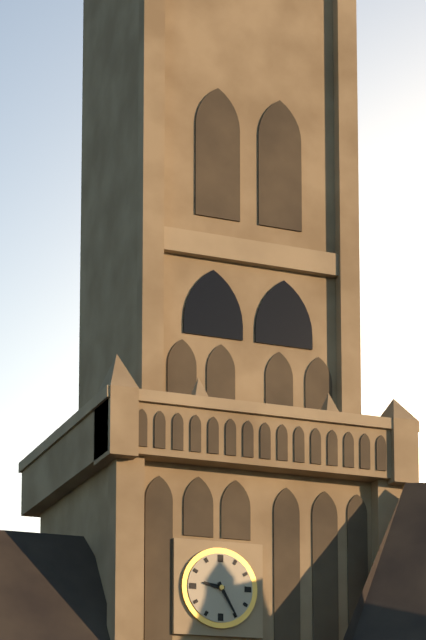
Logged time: {"hour": 9, "minute": 25}
